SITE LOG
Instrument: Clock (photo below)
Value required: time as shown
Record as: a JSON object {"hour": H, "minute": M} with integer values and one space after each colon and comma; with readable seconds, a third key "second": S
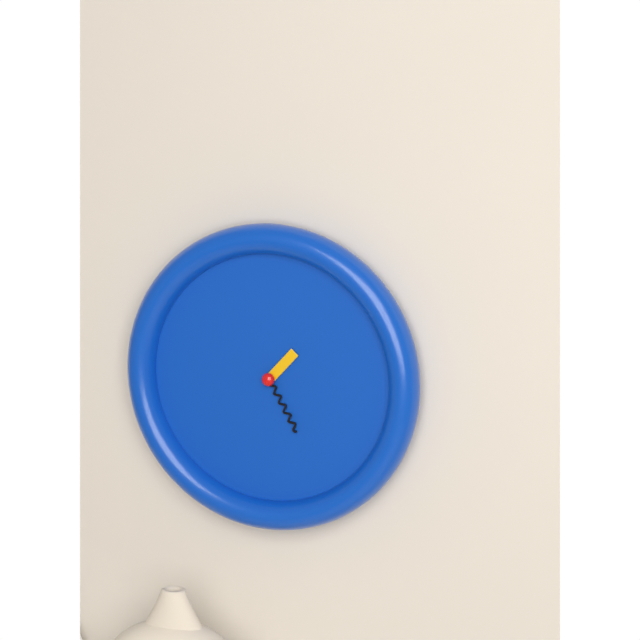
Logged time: {"hour": 1, "minute": 25}
